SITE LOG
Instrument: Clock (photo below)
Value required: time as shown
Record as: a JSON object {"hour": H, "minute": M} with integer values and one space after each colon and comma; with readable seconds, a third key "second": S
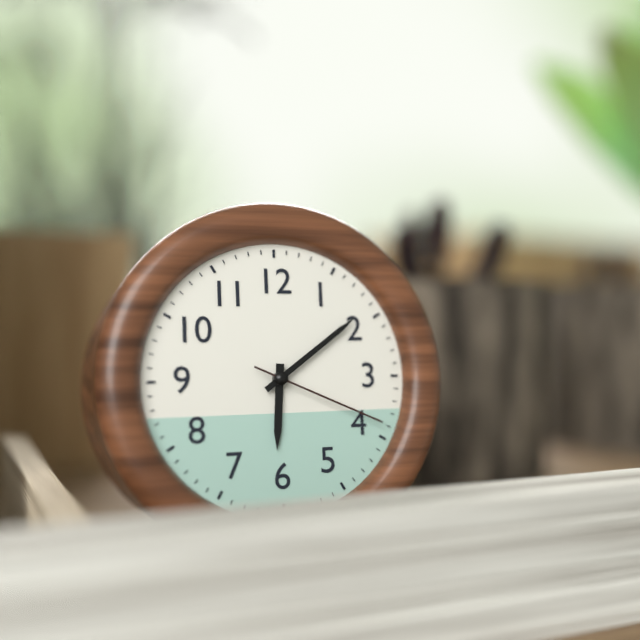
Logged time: {"hour": 6, "minute": 9, "second": 19}
